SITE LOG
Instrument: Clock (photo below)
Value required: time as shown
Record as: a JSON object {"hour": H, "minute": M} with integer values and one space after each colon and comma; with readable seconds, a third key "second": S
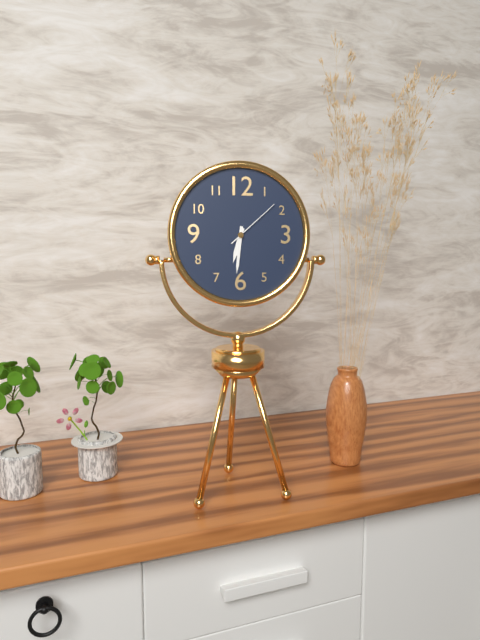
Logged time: {"hour": 6, "minute": 31, "second": 8}
